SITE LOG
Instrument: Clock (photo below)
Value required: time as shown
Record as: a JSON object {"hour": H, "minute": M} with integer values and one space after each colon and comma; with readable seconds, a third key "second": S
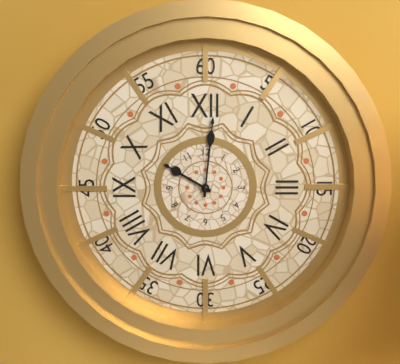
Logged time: {"hour": 10, "minute": 1}
